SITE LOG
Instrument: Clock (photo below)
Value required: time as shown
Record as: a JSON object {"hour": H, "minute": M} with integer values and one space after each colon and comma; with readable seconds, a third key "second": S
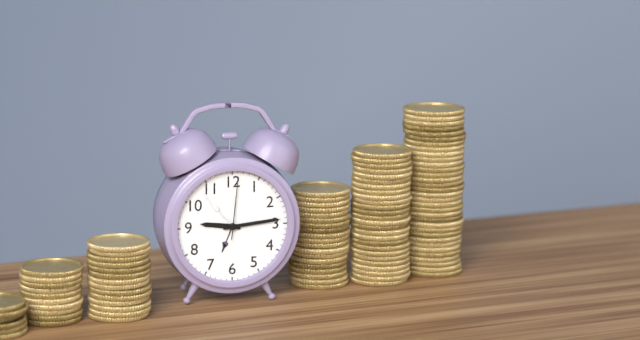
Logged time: {"hour": 9, "minute": 14, "second": 1}
